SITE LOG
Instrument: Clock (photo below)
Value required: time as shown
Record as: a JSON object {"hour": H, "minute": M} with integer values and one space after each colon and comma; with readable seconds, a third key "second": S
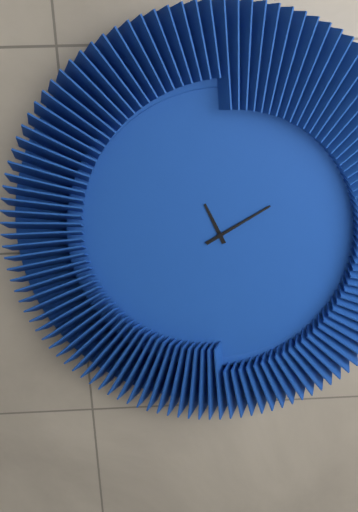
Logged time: {"hour": 11, "minute": 10}
